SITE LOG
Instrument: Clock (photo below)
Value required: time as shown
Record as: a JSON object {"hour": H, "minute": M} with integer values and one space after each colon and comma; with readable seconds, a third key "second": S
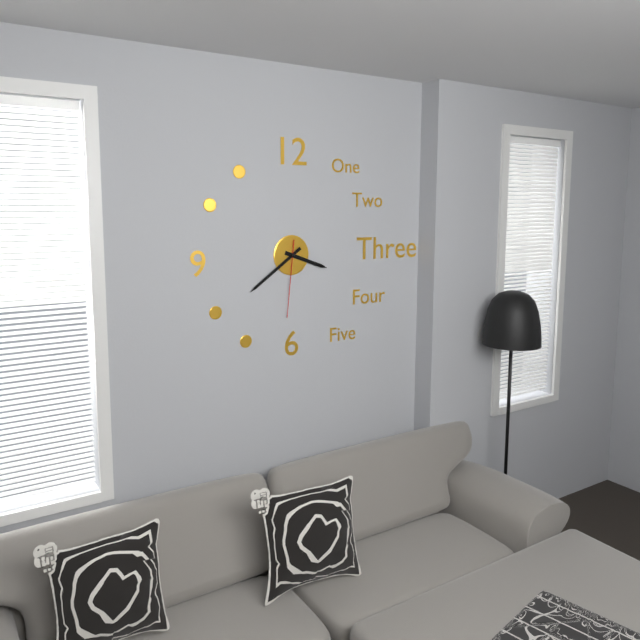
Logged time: {"hour": 3, "minute": 39, "second": 31}
